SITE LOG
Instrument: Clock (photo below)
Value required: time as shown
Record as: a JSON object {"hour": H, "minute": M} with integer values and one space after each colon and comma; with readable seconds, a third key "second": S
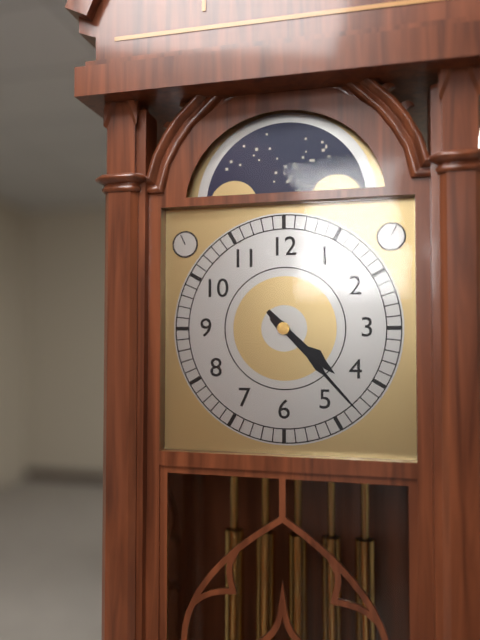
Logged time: {"hour": 4, "minute": 23}
